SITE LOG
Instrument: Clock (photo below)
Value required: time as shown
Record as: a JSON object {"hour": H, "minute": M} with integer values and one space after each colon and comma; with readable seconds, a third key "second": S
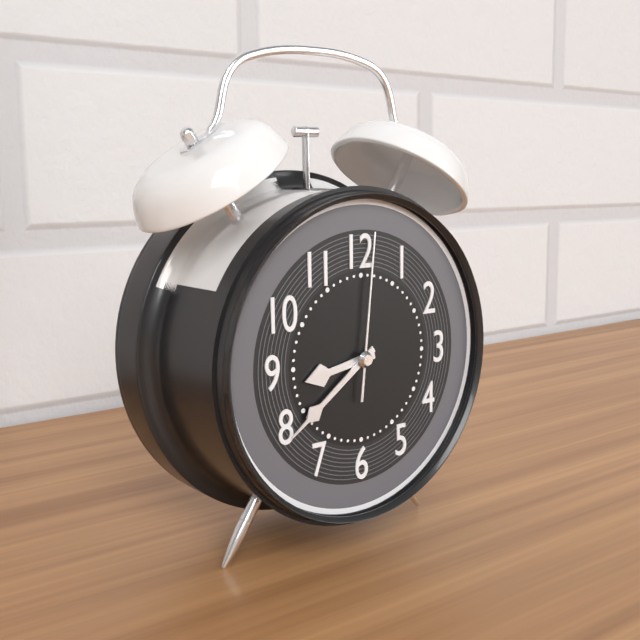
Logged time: {"hour": 8, "minute": 39, "second": 1}
